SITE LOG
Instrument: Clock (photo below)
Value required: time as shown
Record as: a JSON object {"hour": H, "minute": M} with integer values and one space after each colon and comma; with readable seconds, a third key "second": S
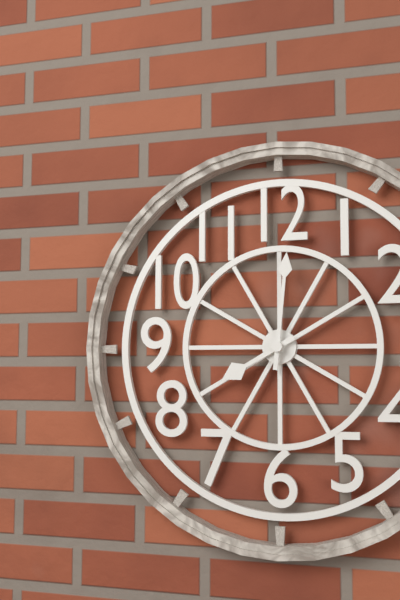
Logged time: {"hour": 8, "minute": 1}
